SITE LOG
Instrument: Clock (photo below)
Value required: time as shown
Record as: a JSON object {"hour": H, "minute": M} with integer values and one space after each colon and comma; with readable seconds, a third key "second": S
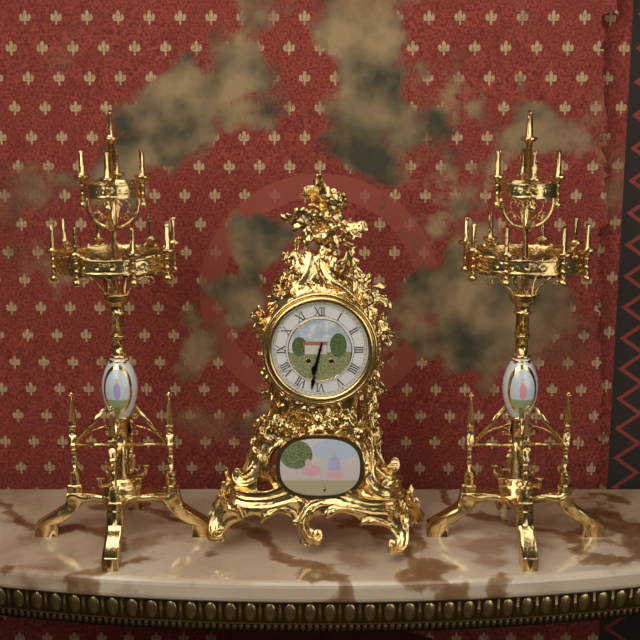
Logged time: {"hour": 6, "minute": 32}
